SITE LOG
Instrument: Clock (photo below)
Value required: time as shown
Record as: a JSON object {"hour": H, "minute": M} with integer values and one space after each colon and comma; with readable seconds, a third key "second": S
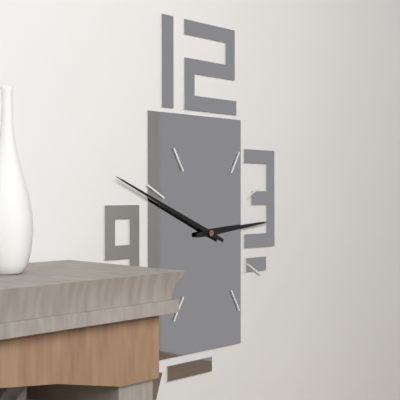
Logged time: {"hour": 2, "minute": 49}
